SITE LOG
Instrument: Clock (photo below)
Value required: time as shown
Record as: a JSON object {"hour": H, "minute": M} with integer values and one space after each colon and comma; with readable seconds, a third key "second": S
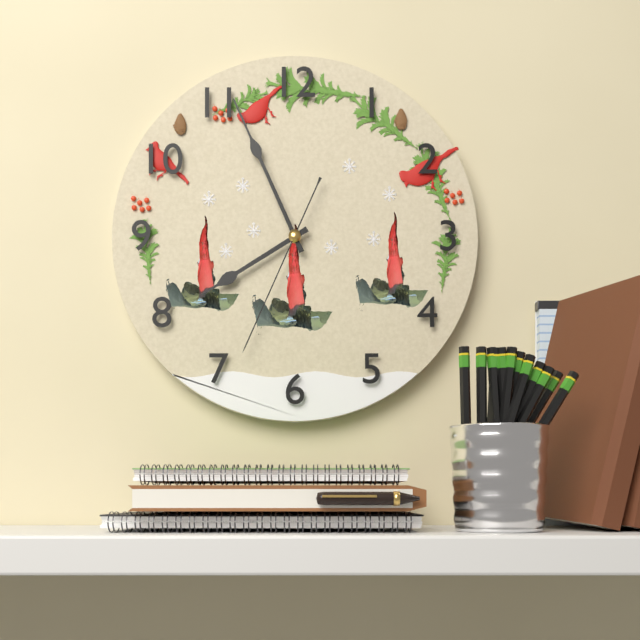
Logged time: {"hour": 7, "minute": 56, "second": 34}
